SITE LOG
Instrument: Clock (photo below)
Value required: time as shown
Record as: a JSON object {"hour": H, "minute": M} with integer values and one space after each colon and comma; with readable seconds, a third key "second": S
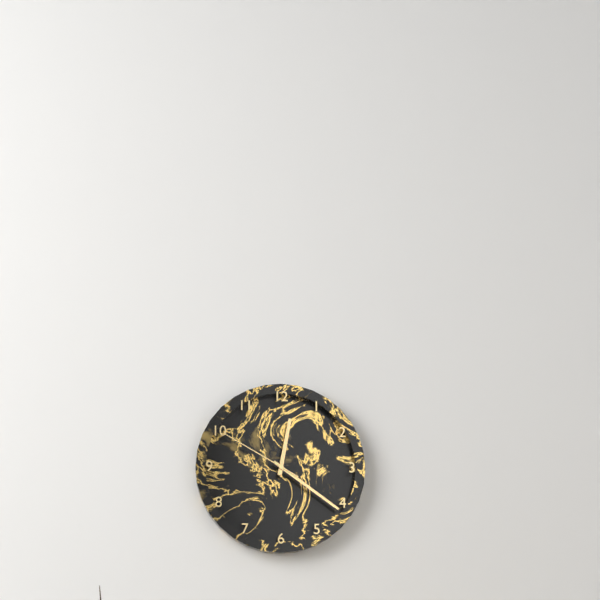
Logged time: {"hour": 12, "minute": 21, "second": 50}
